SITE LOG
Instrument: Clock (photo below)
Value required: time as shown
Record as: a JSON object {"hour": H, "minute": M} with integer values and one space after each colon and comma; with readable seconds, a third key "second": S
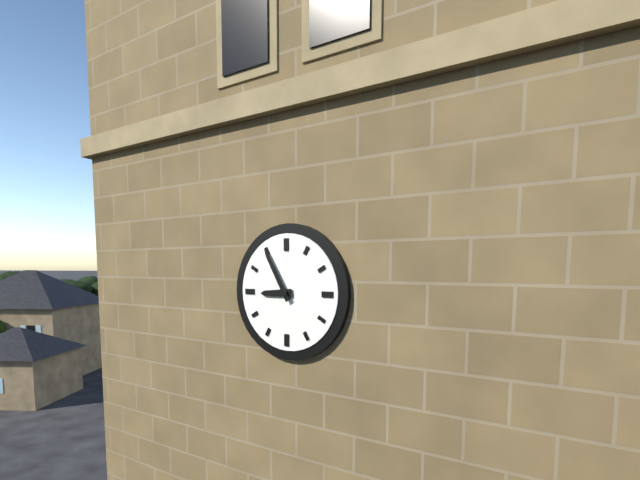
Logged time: {"hour": 8, "minute": 55}
